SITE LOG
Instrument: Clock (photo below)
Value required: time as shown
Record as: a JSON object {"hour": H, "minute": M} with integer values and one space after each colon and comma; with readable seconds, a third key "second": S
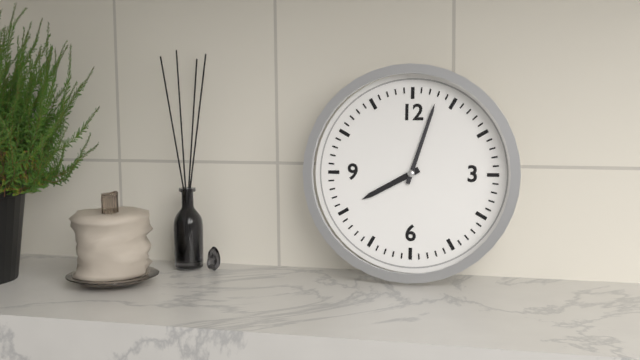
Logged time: {"hour": 8, "minute": 3}
